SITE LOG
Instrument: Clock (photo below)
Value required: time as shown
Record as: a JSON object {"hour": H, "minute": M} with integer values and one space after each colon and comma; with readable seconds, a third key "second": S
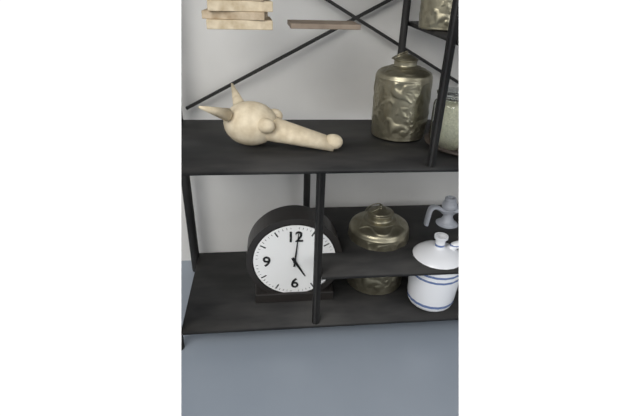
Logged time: {"hour": 5, "minute": 1}
